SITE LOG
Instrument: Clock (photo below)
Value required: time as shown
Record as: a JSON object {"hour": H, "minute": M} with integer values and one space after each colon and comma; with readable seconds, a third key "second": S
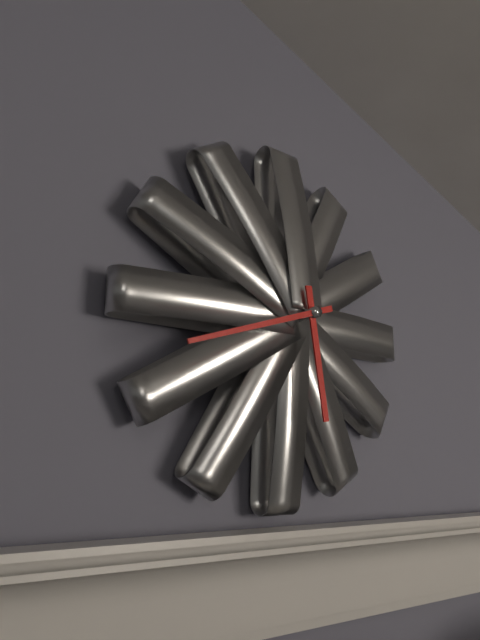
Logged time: {"hour": 5, "minute": 42}
